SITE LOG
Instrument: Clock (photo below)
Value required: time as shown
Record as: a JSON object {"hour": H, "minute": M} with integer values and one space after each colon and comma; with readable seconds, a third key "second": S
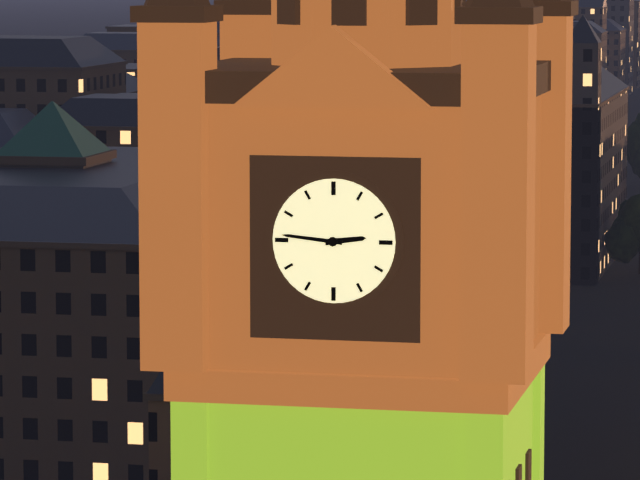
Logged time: {"hour": 2, "minute": 46}
